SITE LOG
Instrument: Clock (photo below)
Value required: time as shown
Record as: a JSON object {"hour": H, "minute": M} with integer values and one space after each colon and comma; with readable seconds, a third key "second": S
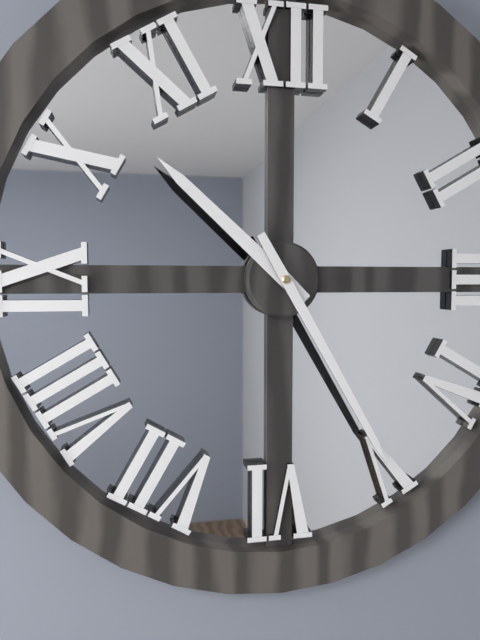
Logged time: {"hour": 10, "minute": 25}
